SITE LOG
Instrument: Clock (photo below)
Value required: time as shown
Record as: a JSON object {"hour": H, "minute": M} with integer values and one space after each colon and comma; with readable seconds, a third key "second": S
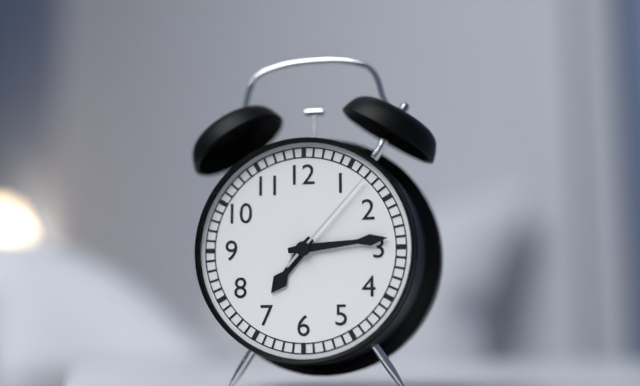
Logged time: {"hour": 7, "minute": 14, "second": 7}
